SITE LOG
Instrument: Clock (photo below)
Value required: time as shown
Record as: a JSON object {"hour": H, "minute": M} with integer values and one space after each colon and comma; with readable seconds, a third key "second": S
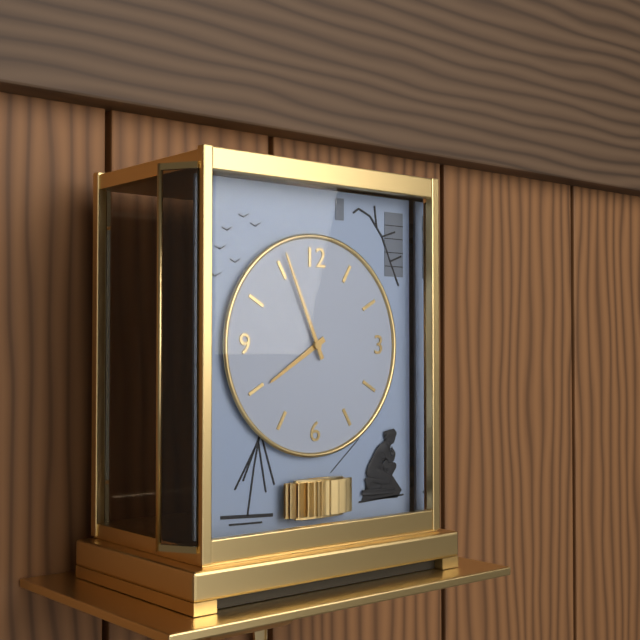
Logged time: {"hour": 7, "minute": 56}
